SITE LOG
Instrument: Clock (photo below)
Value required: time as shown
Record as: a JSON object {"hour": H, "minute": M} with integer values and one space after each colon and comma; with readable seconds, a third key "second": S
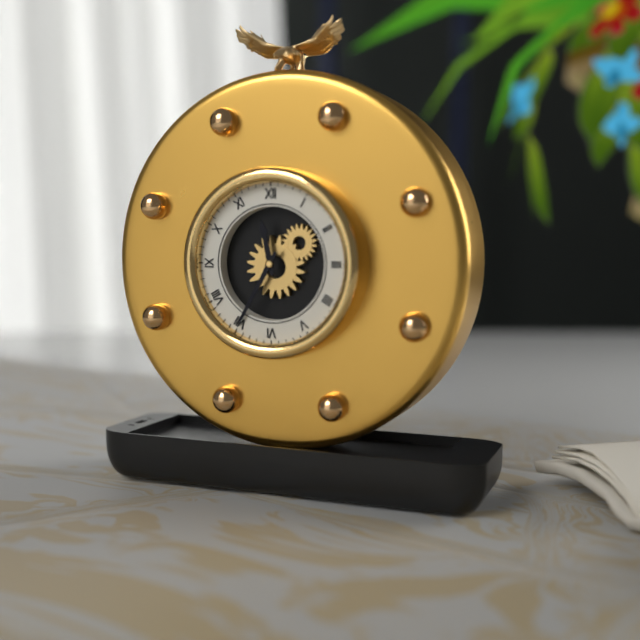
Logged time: {"hour": 11, "minute": 35}
